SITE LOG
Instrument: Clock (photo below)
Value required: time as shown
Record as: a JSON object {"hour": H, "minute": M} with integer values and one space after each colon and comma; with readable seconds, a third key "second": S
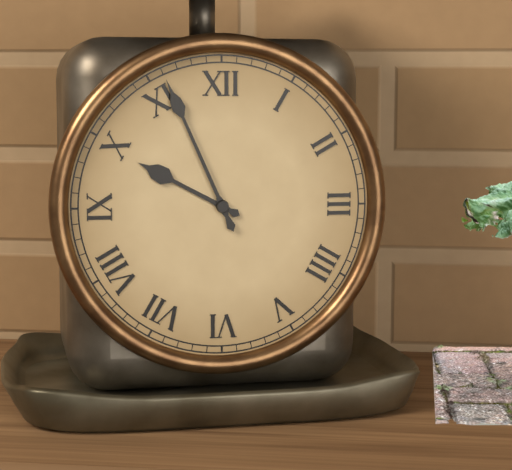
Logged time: {"hour": 9, "minute": 56}
